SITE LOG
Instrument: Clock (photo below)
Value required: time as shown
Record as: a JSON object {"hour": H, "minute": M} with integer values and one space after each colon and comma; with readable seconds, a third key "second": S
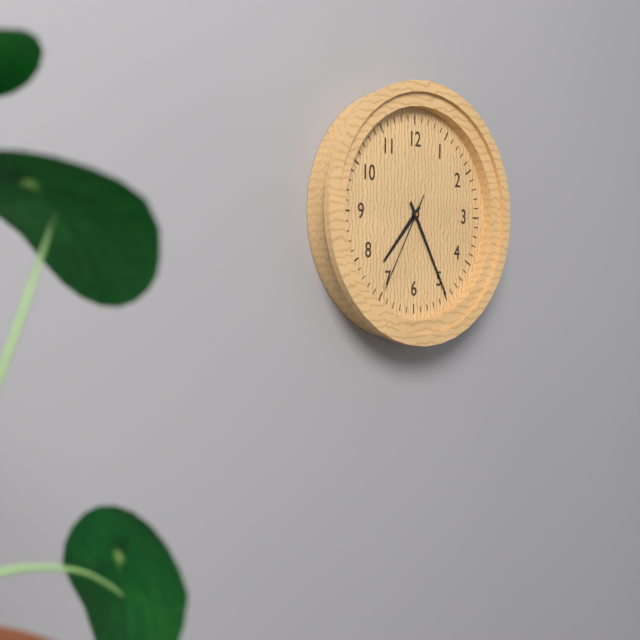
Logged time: {"hour": 7, "minute": 25, "second": 35}
